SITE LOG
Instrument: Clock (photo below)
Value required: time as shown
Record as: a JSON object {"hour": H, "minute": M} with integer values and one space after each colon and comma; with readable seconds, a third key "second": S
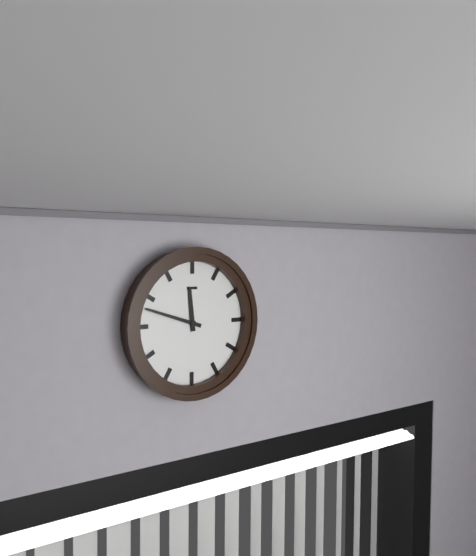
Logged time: {"hour": 11, "minute": 48}
